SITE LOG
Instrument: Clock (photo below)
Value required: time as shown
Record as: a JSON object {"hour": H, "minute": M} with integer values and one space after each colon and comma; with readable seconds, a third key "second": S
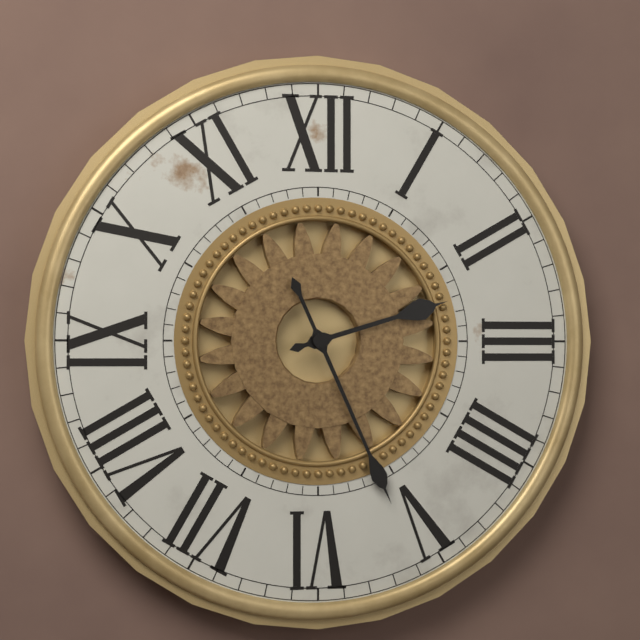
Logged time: {"hour": 2, "minute": 26}
